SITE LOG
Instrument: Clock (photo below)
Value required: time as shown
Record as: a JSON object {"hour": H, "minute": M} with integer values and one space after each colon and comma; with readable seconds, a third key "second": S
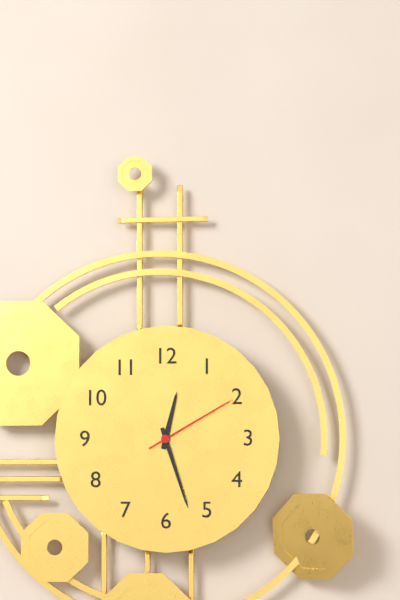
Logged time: {"hour": 12, "minute": 27, "second": 10}
